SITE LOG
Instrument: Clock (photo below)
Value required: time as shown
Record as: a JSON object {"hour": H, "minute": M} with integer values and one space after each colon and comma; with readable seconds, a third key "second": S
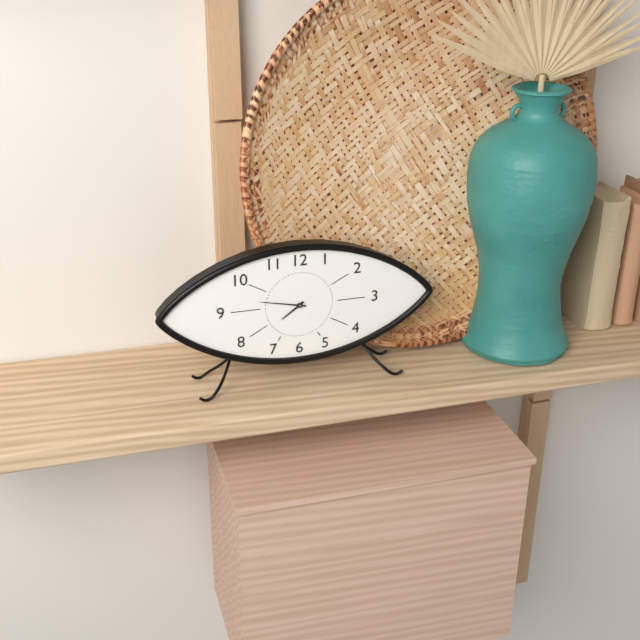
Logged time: {"hour": 7, "minute": 47}
